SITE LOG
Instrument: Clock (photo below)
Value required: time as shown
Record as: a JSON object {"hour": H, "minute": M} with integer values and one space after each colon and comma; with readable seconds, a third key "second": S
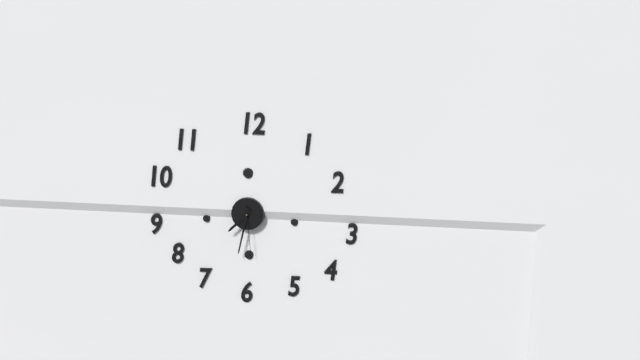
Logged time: {"hour": 7, "minute": 32}
